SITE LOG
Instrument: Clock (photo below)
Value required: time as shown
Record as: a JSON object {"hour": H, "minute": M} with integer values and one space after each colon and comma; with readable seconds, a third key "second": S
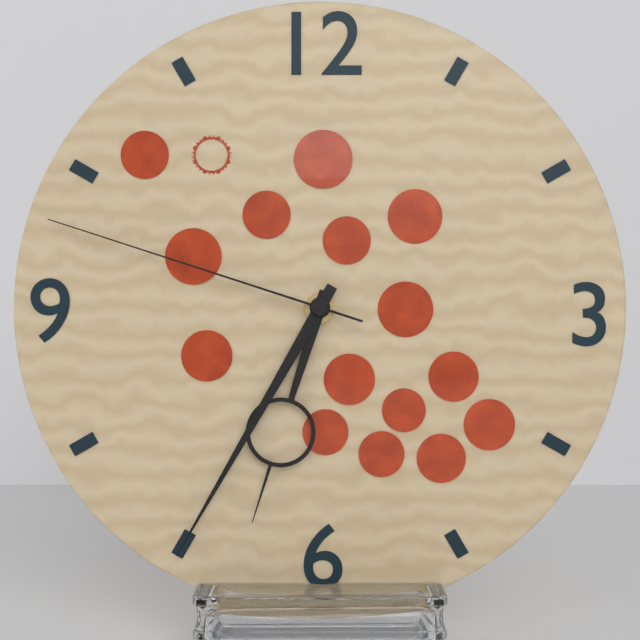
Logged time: {"hour": 6, "minute": 35, "second": 48}
